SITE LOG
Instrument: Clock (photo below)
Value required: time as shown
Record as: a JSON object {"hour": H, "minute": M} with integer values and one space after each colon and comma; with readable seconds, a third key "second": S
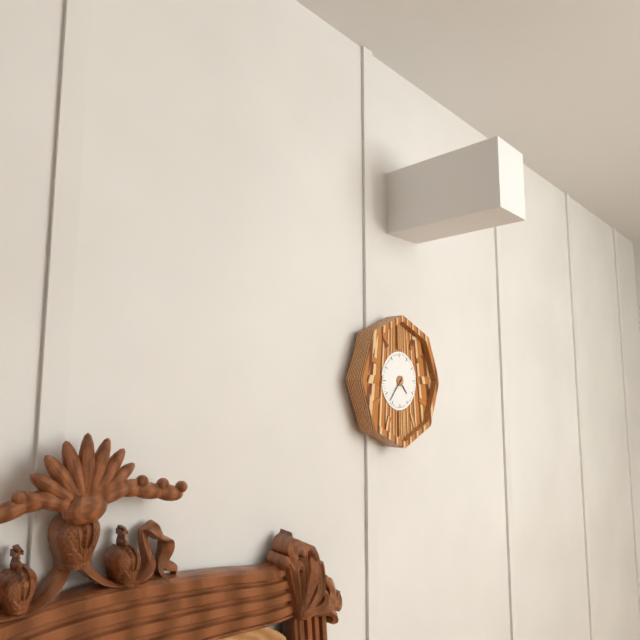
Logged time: {"hour": 4, "minute": 37}
